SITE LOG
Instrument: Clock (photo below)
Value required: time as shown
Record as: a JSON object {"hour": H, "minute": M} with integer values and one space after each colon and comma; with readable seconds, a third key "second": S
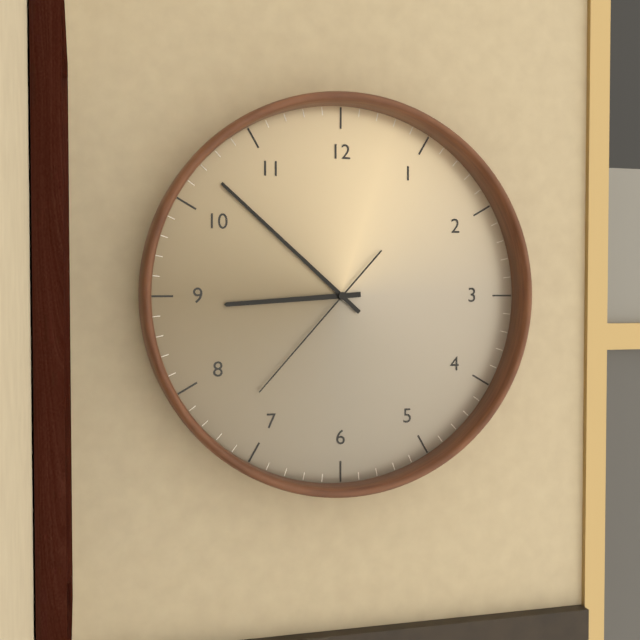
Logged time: {"hour": 8, "minute": 52, "second": 37}
